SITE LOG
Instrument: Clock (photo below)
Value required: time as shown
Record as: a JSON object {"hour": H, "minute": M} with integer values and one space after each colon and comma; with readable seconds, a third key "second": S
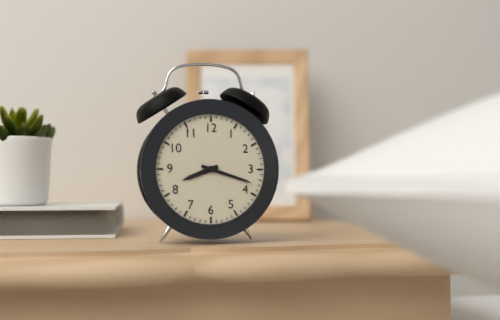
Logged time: {"hour": 8, "minute": 18}
